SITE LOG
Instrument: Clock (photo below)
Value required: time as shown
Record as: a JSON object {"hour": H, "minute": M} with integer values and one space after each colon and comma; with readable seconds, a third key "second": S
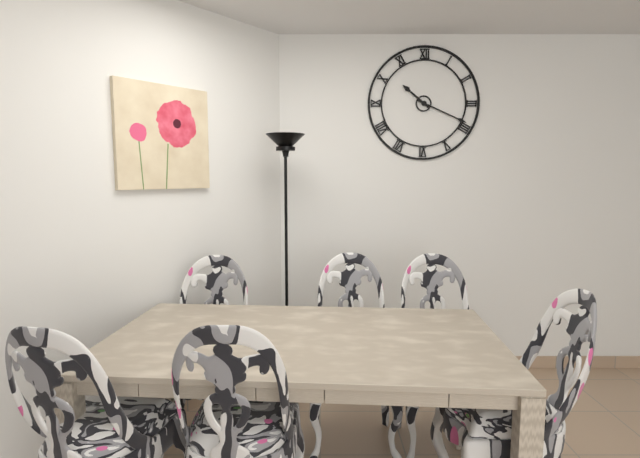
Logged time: {"hour": 10, "minute": 19}
